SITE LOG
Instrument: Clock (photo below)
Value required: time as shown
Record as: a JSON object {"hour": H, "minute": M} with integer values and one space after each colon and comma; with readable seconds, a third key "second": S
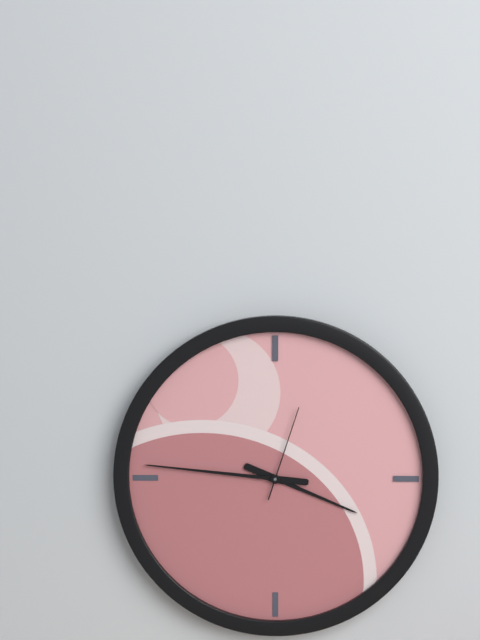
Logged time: {"hour": 3, "minute": 46, "second": 3}
